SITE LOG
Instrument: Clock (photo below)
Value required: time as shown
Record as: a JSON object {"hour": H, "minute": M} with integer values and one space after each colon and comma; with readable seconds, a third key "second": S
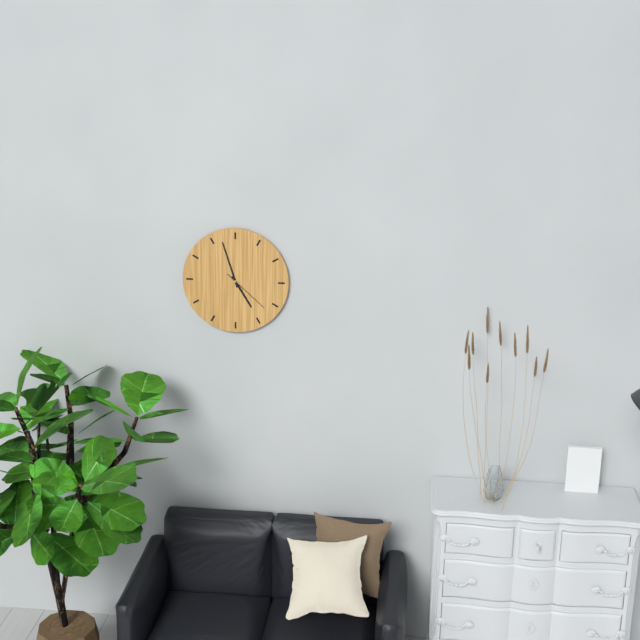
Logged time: {"hour": 4, "minute": 57}
